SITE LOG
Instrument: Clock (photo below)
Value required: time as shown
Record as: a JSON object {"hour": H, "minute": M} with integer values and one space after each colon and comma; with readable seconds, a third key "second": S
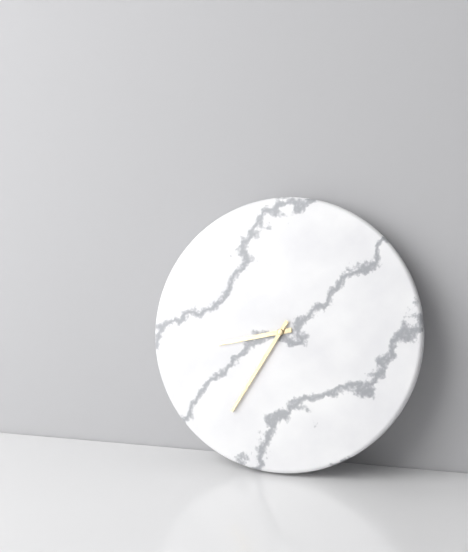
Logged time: {"hour": 8, "minute": 35}
